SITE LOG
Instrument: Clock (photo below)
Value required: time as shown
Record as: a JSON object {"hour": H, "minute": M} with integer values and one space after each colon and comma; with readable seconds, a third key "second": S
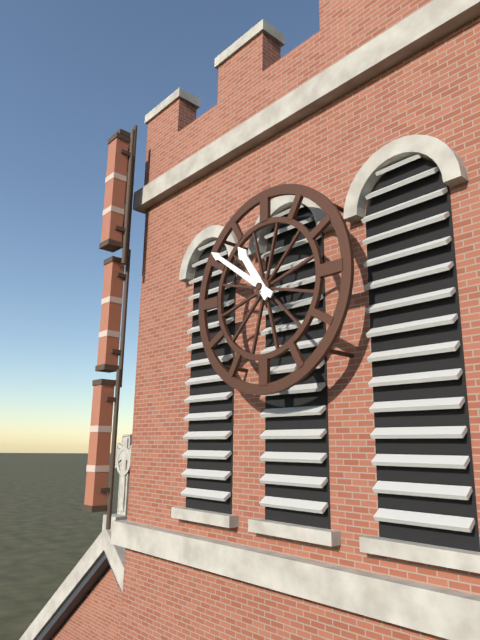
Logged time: {"hour": 10, "minute": 51}
